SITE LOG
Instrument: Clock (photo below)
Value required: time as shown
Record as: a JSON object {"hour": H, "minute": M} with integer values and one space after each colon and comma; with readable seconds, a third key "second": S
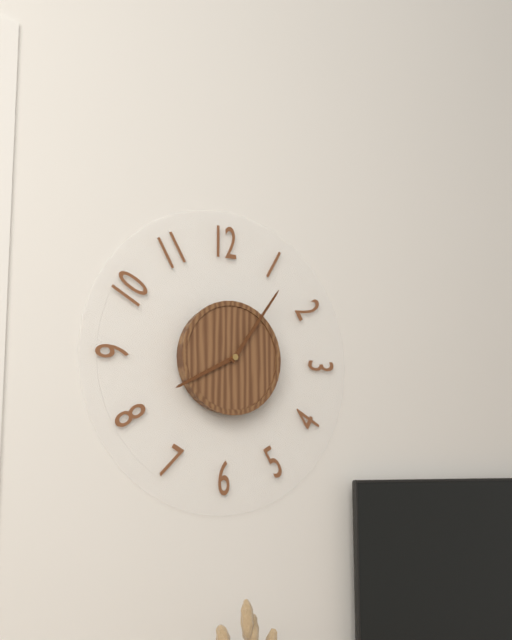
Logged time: {"hour": 8, "minute": 6}
